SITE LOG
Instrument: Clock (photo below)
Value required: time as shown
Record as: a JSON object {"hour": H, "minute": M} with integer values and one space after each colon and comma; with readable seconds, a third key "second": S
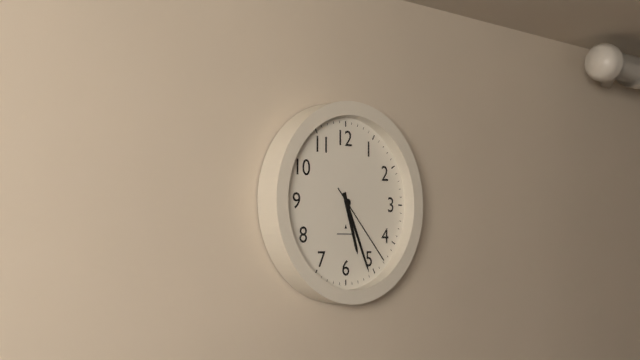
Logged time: {"hour": 5, "minute": 26, "second": 23}
